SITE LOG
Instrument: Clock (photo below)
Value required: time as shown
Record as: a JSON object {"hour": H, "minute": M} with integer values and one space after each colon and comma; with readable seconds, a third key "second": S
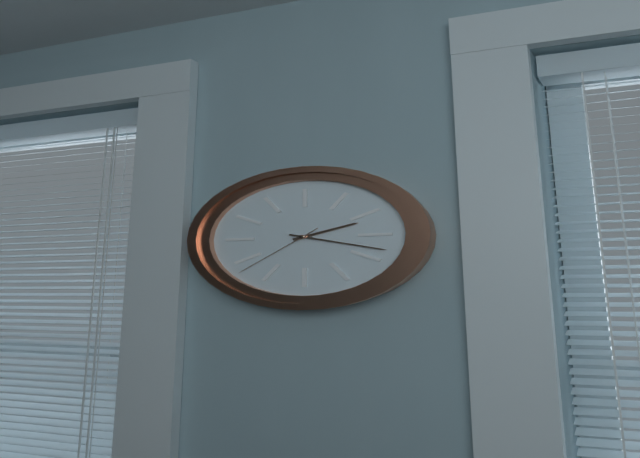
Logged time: {"hour": 2, "minute": 18, "second": 38}
